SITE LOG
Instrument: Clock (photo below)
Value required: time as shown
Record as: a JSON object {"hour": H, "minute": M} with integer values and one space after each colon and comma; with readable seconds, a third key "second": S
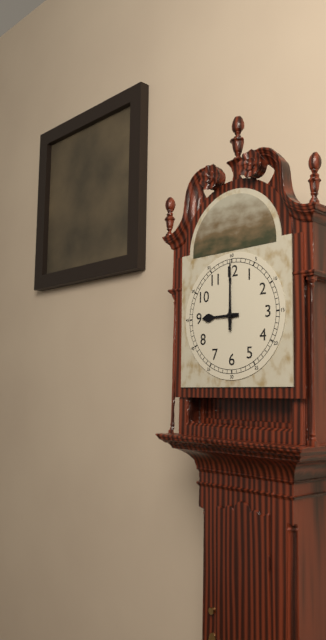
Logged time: {"hour": 9, "minute": 0}
